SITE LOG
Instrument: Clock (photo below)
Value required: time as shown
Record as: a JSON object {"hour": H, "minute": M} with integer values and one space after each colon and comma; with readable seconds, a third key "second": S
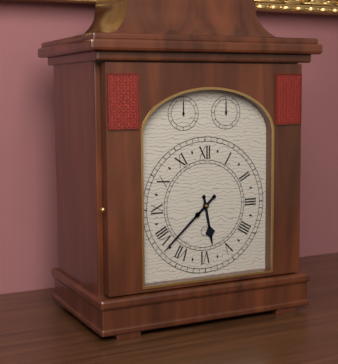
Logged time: {"hour": 5, "minute": 38}
